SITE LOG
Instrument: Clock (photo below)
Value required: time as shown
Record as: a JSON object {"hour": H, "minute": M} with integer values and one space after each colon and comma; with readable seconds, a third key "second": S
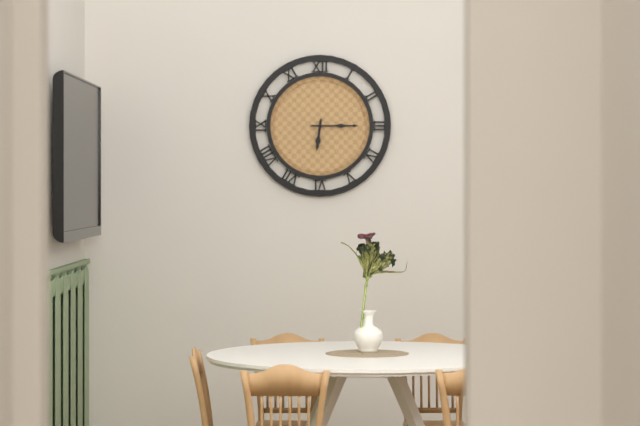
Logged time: {"hour": 6, "minute": 15}
